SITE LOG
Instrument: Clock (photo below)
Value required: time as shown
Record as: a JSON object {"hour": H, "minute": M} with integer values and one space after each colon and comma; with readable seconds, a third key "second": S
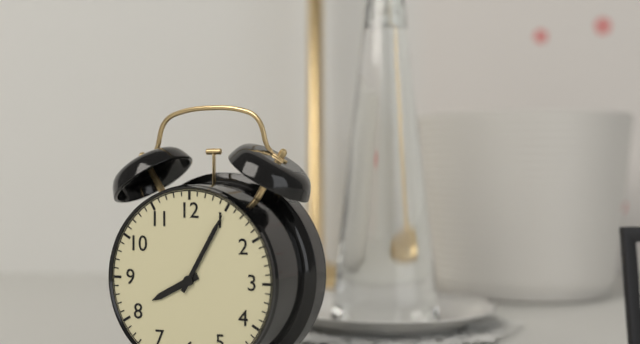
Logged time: {"hour": 8, "minute": 5}
